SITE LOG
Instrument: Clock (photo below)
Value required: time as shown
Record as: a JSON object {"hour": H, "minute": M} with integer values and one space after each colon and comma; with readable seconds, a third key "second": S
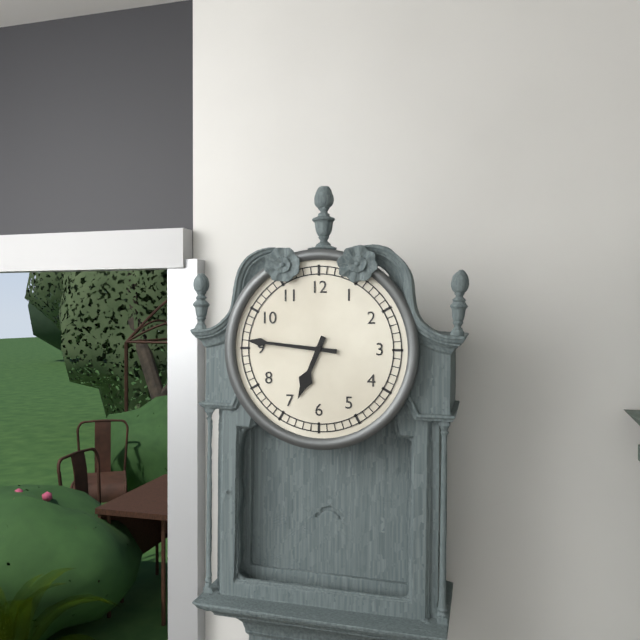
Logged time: {"hour": 6, "minute": 46}
